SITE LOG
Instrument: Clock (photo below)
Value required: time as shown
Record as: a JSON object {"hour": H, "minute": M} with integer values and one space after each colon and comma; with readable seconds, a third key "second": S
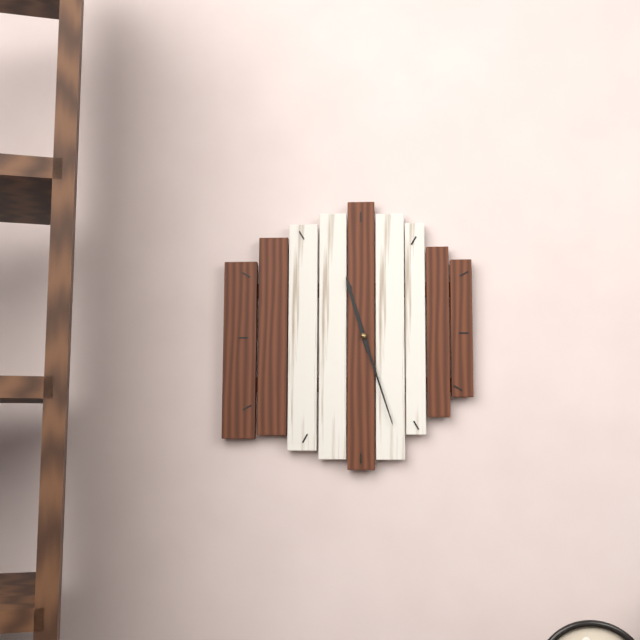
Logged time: {"hour": 11, "minute": 27}
